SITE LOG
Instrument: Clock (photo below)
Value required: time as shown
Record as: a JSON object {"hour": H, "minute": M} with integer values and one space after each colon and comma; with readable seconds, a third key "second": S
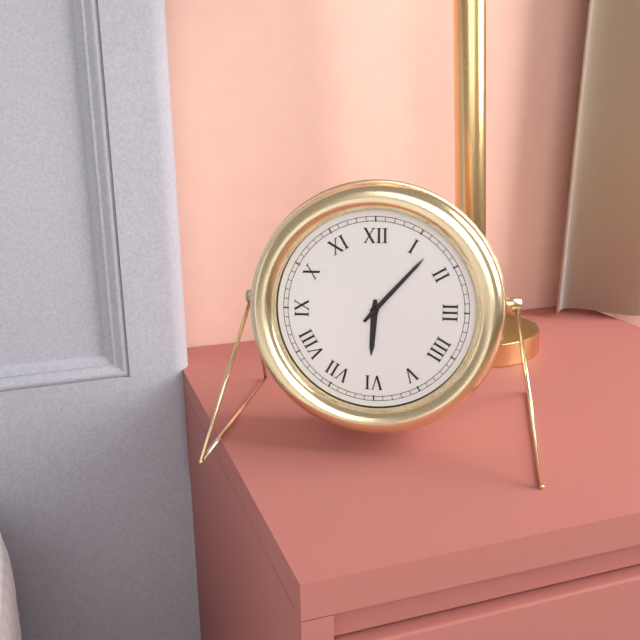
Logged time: {"hour": 6, "minute": 7}
